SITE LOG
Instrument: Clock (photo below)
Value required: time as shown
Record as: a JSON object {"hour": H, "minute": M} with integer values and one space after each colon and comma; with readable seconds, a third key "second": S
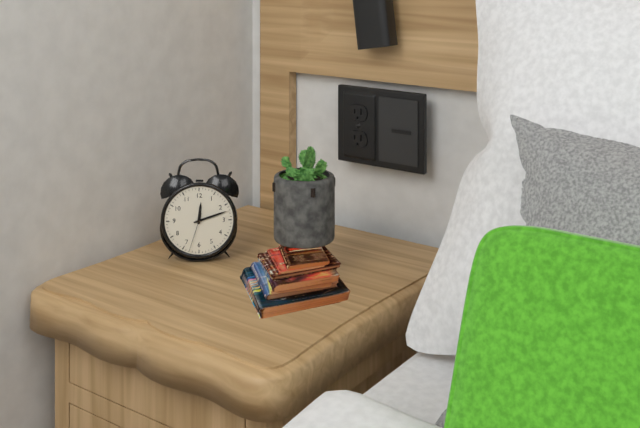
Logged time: {"hour": 12, "minute": 12}
